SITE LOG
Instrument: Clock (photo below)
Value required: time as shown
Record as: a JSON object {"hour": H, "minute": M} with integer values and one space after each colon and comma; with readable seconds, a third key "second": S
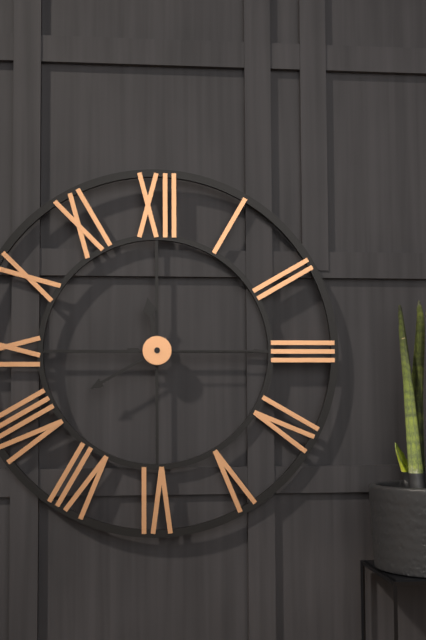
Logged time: {"hour": 11, "minute": 40, "second": 15}
